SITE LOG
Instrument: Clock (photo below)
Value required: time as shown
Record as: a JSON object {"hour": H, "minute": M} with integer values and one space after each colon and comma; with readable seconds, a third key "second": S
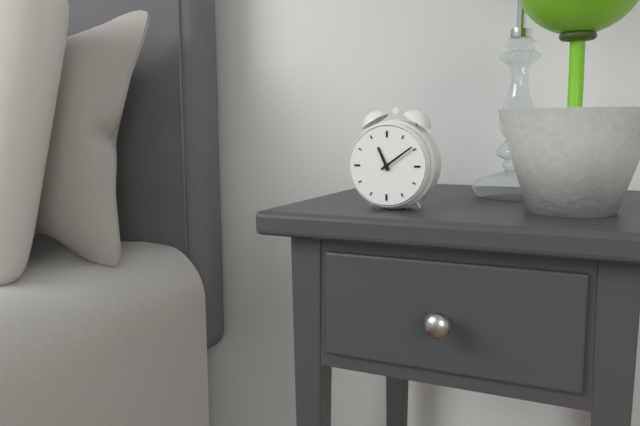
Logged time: {"hour": 11, "minute": 9}
